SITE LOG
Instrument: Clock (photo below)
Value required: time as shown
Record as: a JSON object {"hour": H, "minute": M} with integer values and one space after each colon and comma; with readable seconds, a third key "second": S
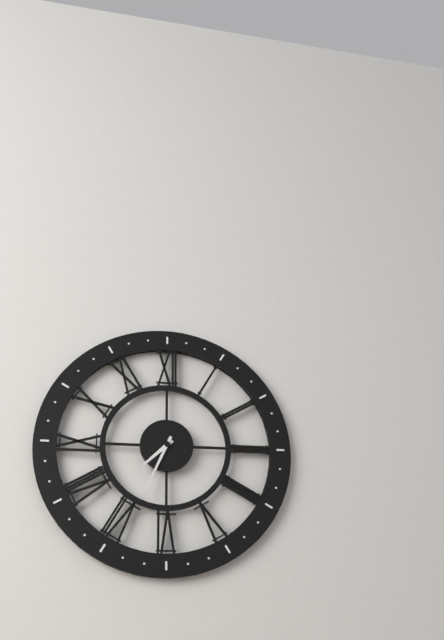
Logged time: {"hour": 7, "minute": 34}
